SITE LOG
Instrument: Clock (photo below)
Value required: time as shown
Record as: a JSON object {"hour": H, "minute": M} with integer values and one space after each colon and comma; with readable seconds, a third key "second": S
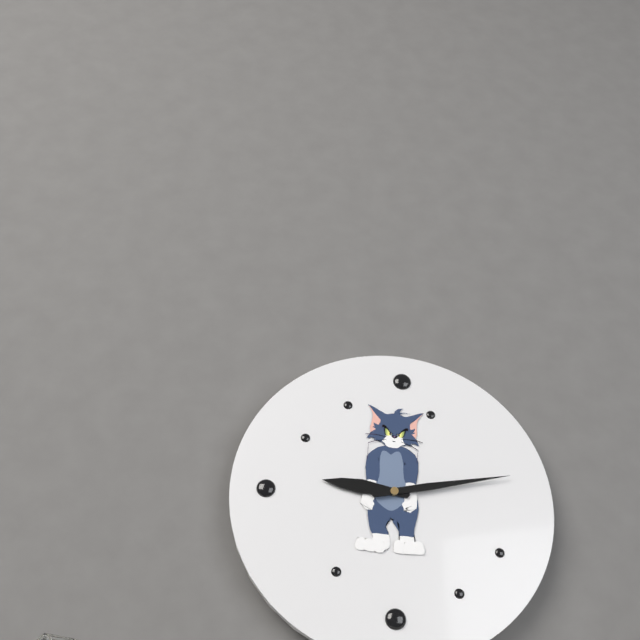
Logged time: {"hour": 9, "minute": 13}
